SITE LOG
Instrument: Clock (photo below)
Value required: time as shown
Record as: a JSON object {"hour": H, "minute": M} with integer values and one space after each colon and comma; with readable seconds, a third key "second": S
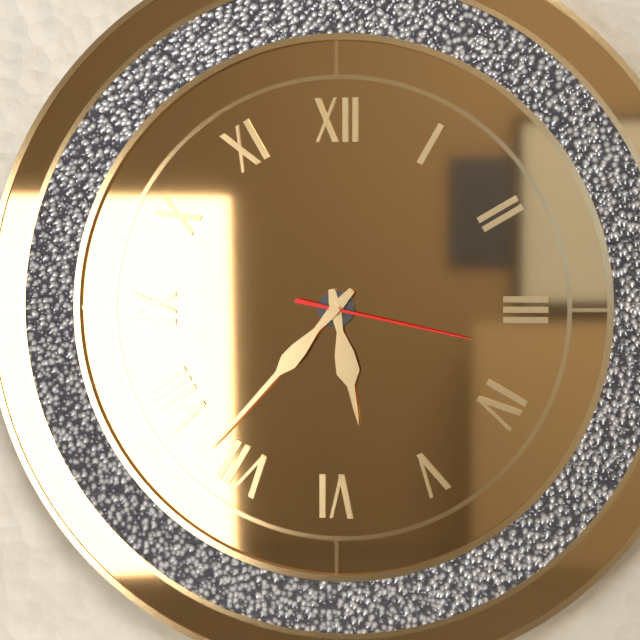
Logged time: {"hour": 5, "minute": 37, "second": 17}
